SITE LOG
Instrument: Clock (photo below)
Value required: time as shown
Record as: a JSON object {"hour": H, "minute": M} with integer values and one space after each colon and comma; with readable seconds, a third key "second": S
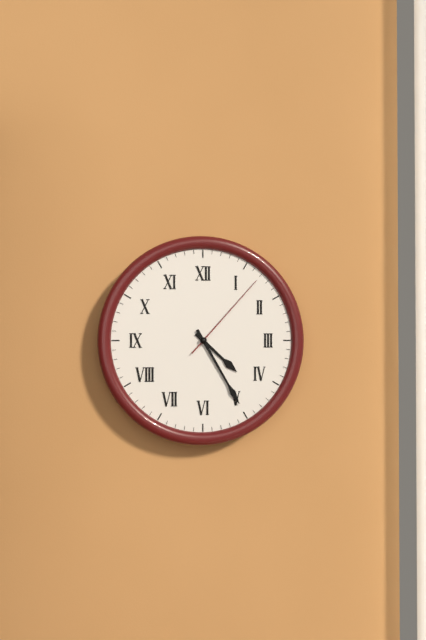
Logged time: {"hour": 4, "minute": 25, "second": 7}
